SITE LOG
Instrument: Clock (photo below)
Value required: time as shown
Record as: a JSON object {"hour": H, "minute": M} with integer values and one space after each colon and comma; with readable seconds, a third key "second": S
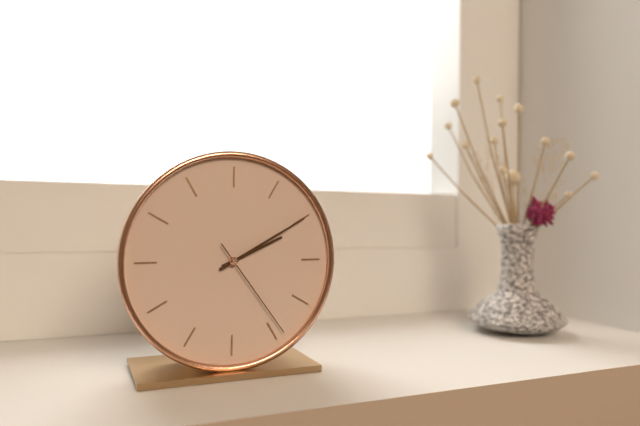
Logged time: {"hour": 2, "minute": 10, "second": 24}
